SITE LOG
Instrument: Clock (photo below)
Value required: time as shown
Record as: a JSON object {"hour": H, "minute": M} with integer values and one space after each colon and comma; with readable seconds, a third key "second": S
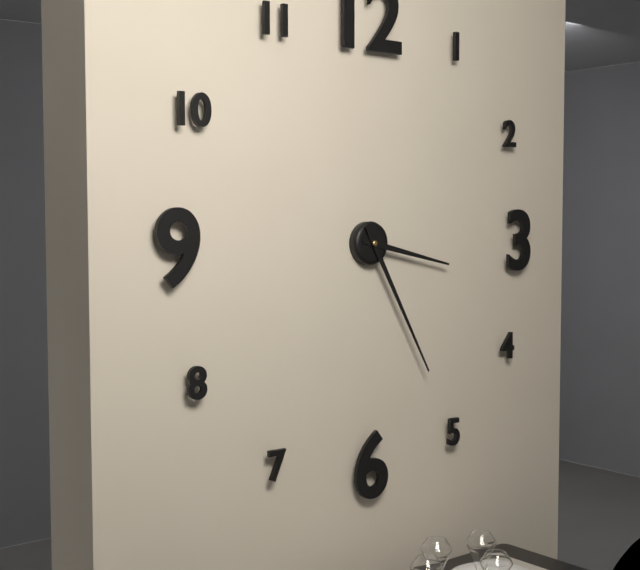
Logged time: {"hour": 3, "minute": 25}
